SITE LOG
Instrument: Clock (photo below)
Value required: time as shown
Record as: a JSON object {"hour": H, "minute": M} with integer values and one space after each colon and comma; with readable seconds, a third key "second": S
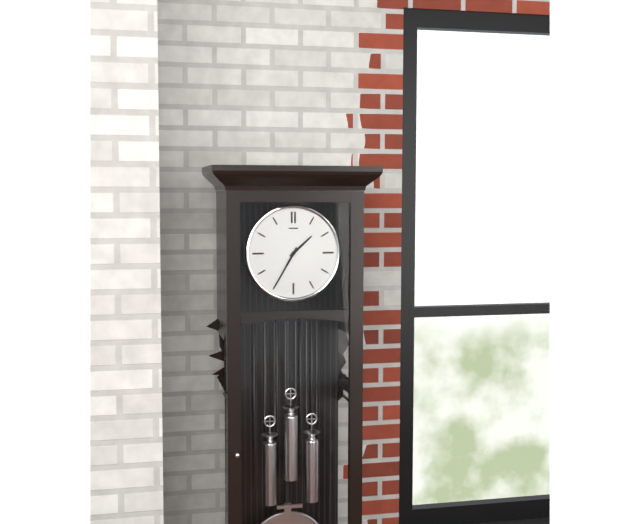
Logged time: {"hour": 1, "minute": 35}
